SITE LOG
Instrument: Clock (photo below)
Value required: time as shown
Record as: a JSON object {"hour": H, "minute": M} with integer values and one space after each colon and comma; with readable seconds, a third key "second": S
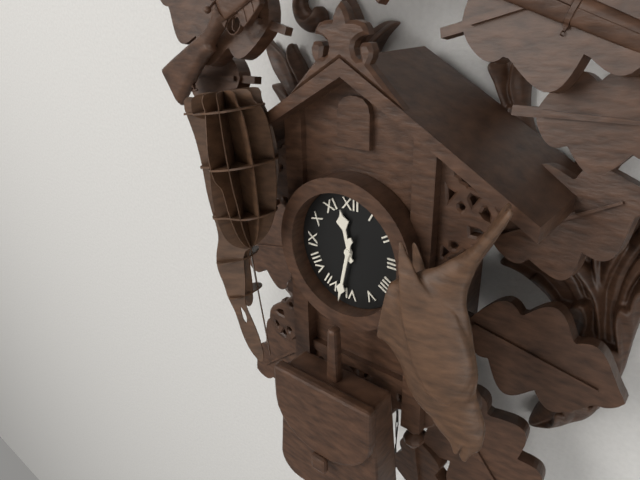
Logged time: {"hour": 11, "minute": 32}
